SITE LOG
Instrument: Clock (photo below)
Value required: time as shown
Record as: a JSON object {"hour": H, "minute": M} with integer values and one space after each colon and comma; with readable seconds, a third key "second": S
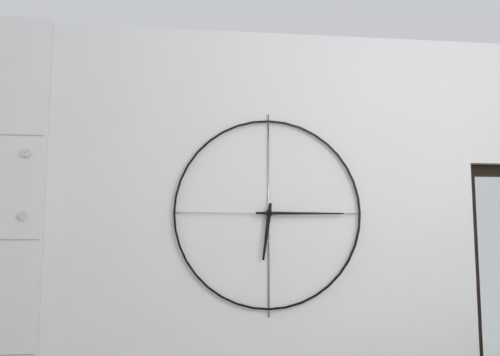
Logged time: {"hour": 6, "minute": 15}
